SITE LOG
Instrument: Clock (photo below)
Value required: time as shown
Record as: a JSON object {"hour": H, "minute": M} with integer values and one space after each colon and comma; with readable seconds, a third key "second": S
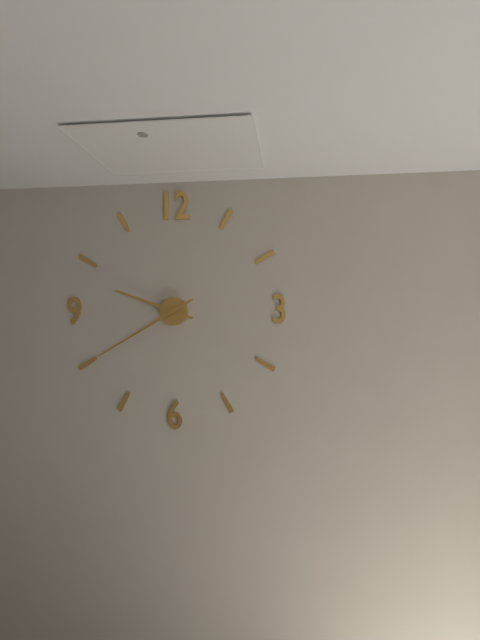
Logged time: {"hour": 9, "minute": 40}
